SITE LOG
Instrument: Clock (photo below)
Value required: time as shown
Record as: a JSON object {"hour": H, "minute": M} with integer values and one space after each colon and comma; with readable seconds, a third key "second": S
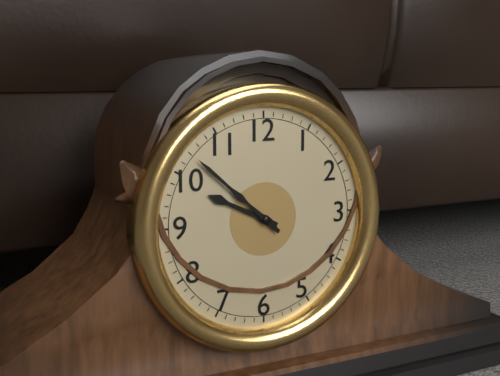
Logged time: {"hour": 9, "minute": 52}
